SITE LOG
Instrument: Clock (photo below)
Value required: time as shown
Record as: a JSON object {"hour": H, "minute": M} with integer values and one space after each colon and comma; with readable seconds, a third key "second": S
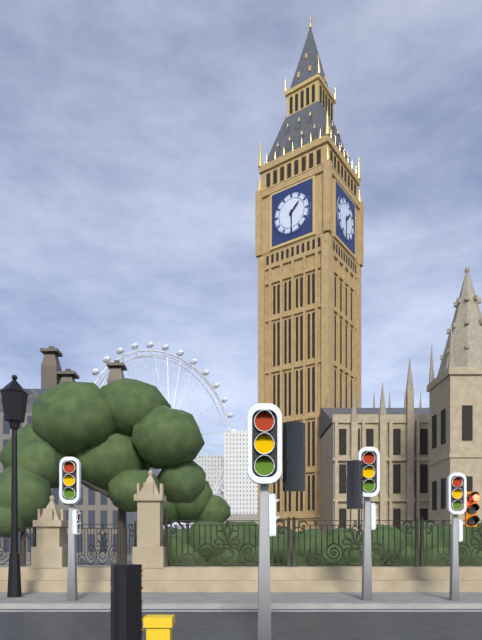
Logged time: {"hour": 1, "minute": 30}
